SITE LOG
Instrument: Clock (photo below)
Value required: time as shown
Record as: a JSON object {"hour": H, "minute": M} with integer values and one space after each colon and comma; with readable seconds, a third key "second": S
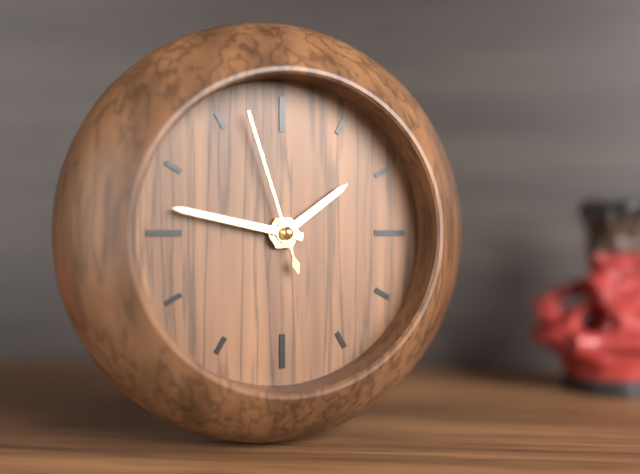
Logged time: {"hour": 1, "minute": 47, "second": 57}
